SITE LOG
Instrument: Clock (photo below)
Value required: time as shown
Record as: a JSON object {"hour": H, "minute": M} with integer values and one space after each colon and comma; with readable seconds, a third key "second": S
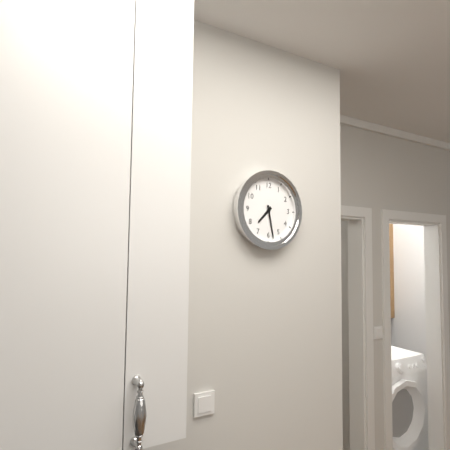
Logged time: {"hour": 7, "minute": 28}
